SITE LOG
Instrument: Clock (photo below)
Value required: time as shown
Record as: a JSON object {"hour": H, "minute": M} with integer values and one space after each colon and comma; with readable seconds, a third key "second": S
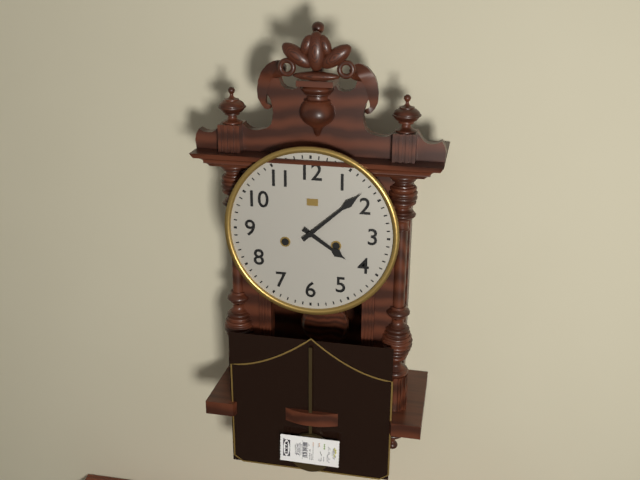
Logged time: {"hour": 4, "minute": 8}
